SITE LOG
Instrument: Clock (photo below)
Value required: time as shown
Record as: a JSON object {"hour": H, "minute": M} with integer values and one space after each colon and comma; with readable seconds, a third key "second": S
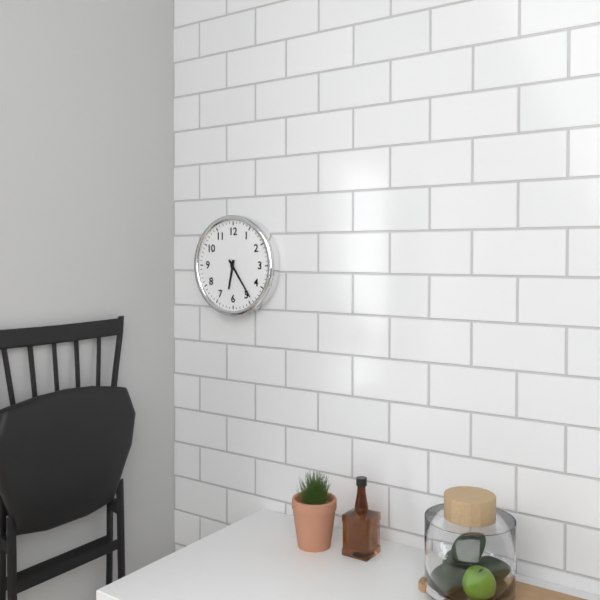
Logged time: {"hour": 6, "minute": 24}
